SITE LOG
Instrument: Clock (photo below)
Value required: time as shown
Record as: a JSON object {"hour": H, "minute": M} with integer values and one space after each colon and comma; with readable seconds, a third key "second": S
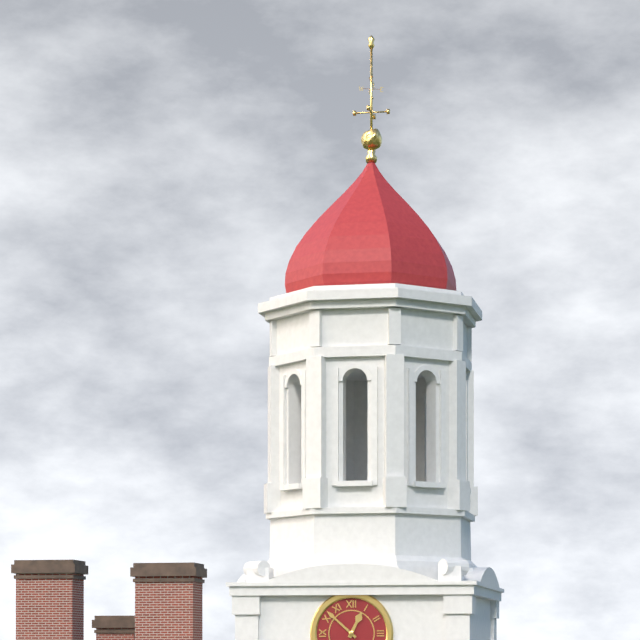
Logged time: {"hour": 12, "minute": 52}
